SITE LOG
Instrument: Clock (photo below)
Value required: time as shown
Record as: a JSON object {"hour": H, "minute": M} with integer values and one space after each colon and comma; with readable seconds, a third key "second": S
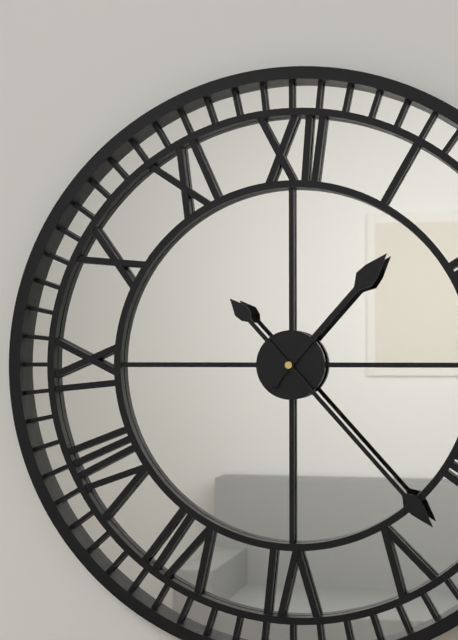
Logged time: {"hour": 1, "minute": 23}
